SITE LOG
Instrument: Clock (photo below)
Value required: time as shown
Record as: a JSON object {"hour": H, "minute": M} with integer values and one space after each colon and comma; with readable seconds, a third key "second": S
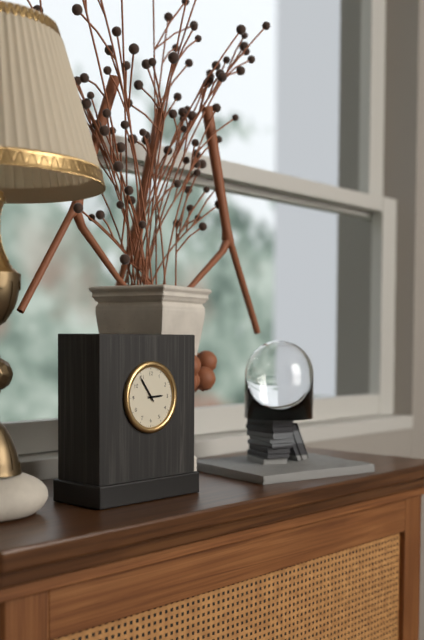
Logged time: {"hour": 2, "minute": 54}
